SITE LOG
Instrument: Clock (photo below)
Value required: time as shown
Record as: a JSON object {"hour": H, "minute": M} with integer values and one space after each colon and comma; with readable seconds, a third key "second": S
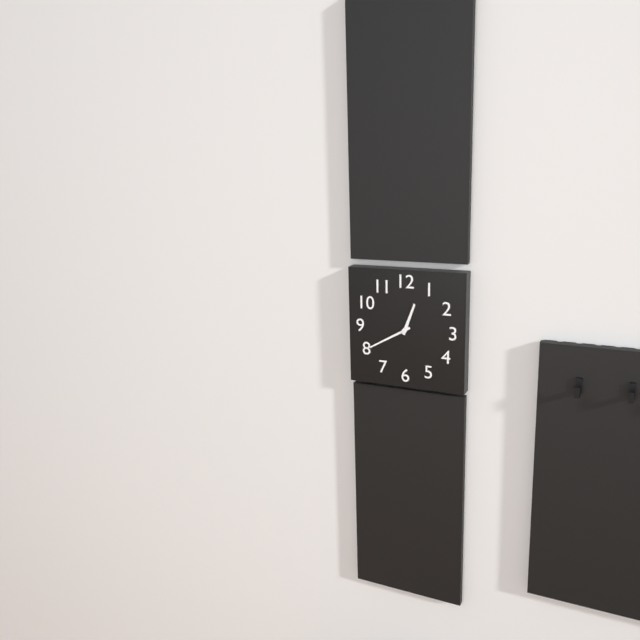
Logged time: {"hour": 12, "minute": 40}
